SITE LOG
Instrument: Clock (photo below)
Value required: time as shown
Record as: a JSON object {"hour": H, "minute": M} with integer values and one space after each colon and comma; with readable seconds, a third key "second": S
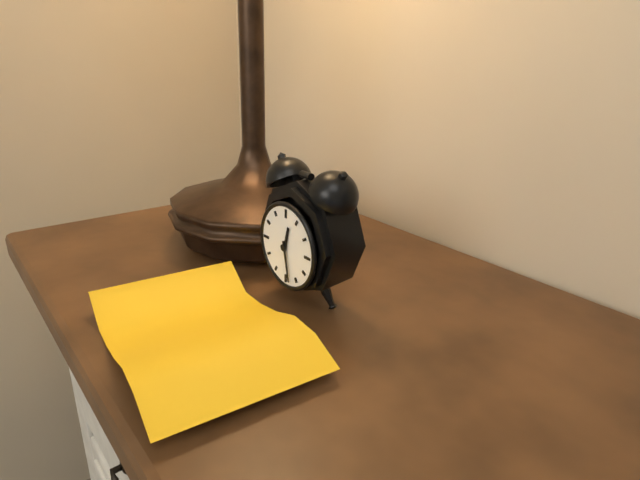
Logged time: {"hour": 12, "minute": 28}
